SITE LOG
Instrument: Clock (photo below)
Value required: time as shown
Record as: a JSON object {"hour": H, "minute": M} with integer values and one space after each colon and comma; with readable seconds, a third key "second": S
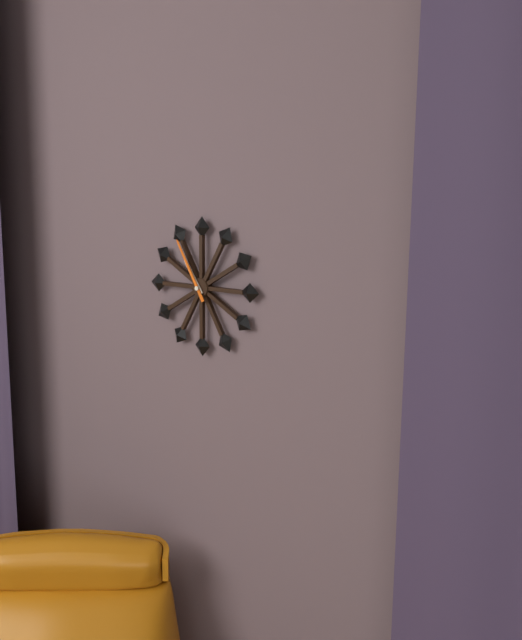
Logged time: {"hour": 10, "minute": 55}
